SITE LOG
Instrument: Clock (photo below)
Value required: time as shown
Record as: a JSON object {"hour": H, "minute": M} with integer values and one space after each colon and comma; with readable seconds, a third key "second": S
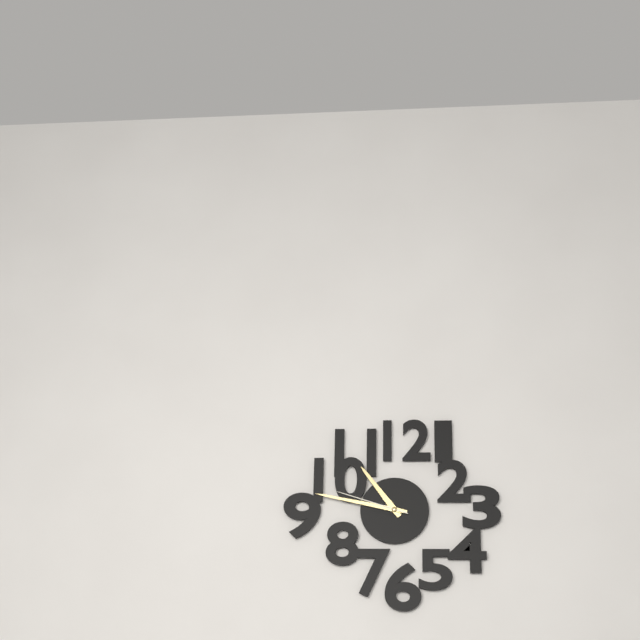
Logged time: {"hour": 10, "minute": 47, "second": 48}
